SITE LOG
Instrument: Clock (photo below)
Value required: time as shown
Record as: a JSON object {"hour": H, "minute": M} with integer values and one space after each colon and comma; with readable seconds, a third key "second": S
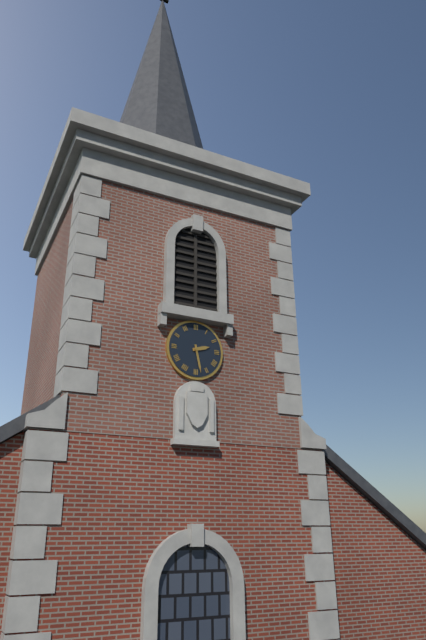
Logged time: {"hour": 2, "minute": 28}
